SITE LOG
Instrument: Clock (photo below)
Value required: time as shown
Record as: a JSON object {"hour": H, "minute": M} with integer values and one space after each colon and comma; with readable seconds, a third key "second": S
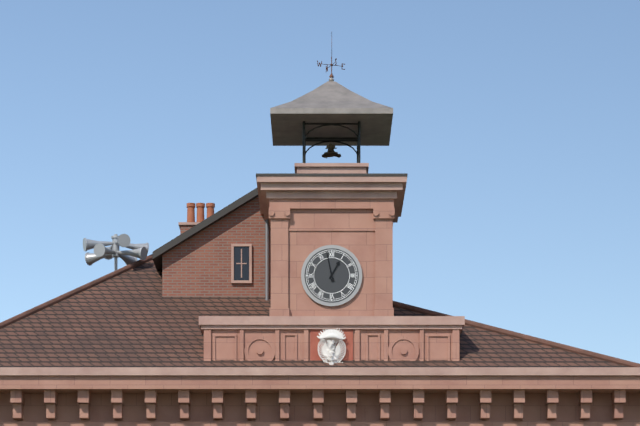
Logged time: {"hour": 12, "minute": 58}
